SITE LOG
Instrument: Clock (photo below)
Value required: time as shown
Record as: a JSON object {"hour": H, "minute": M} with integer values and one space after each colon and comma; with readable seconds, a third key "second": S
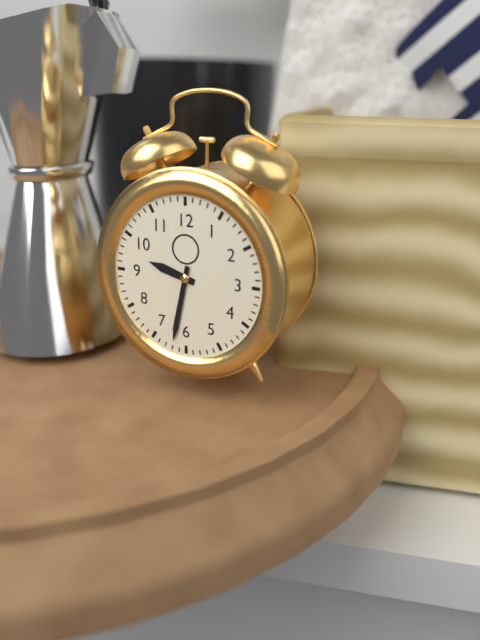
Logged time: {"hour": 9, "minute": 32}
